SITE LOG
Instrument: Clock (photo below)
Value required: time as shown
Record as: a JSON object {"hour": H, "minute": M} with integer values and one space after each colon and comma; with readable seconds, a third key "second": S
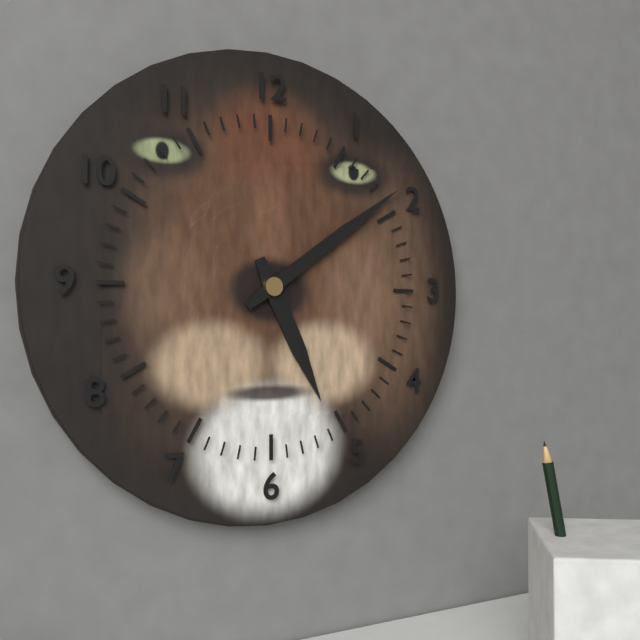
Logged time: {"hour": 5, "minute": 9}
